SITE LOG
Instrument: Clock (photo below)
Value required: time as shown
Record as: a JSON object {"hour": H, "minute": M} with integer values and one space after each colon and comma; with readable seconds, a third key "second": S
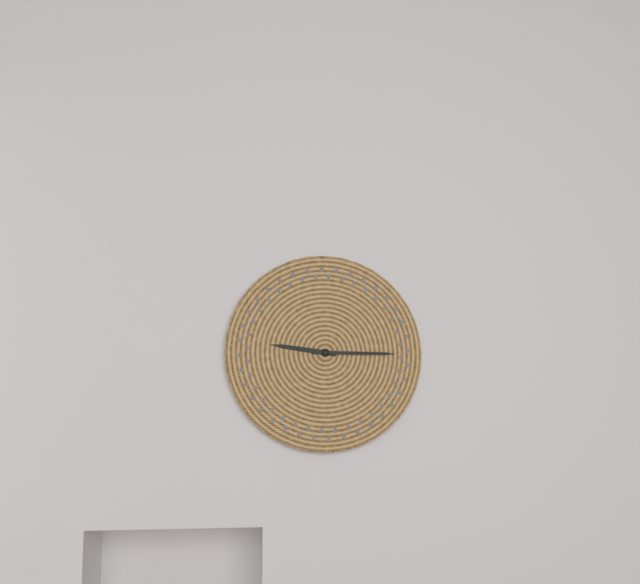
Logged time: {"hour": 9, "minute": 15}
